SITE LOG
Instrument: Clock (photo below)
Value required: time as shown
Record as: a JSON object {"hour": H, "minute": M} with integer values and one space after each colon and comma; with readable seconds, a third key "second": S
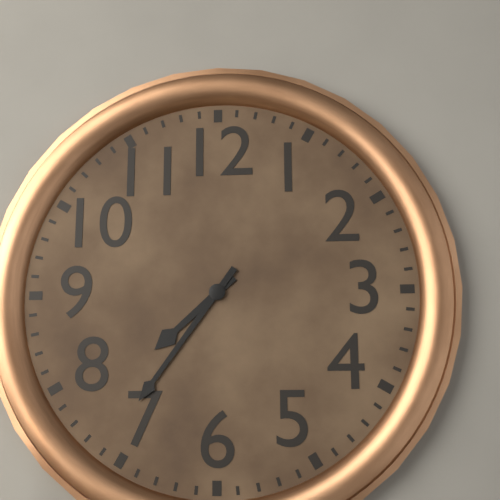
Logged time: {"hour": 7, "minute": 36}
